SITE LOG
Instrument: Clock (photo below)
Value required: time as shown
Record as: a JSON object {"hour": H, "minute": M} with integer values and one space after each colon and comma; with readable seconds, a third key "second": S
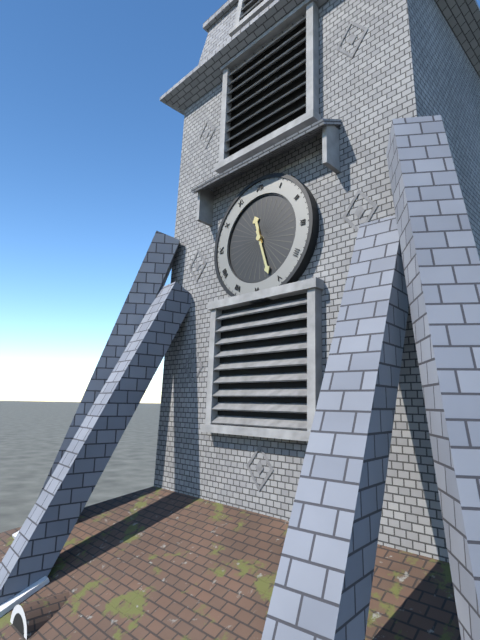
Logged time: {"hour": 11, "minute": 27}
